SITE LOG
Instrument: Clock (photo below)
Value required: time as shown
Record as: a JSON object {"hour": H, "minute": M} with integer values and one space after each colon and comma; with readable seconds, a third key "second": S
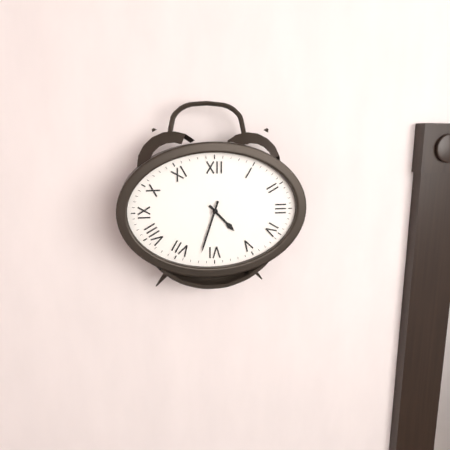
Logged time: {"hour": 4, "minute": 33}
